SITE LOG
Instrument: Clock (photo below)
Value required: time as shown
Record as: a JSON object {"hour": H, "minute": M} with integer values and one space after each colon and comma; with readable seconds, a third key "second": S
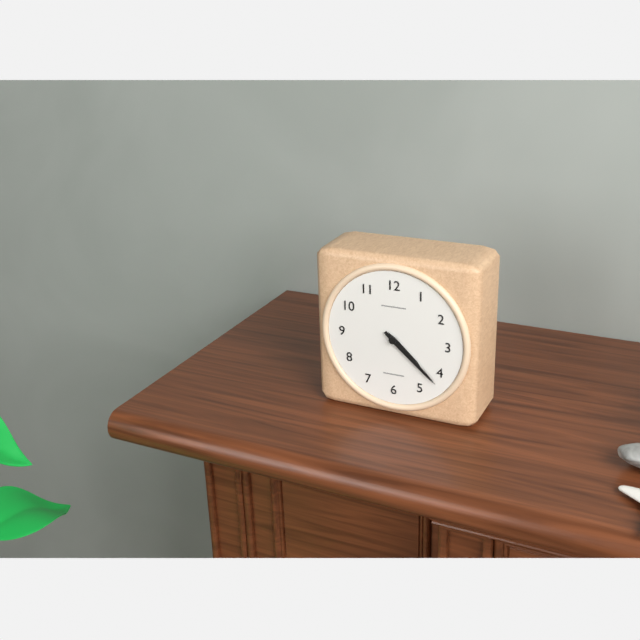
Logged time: {"hour": 4, "minute": 22}
